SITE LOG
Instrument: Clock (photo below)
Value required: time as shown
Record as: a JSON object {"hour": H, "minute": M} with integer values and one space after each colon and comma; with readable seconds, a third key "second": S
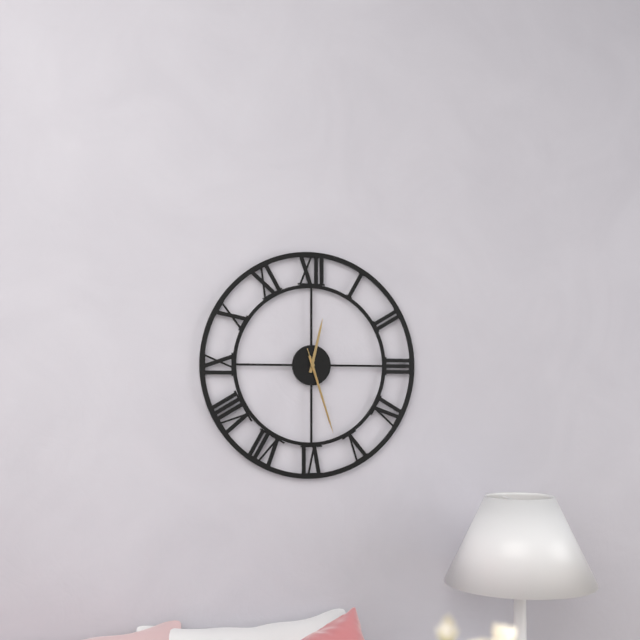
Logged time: {"hour": 12, "minute": 27, "second": 27}
